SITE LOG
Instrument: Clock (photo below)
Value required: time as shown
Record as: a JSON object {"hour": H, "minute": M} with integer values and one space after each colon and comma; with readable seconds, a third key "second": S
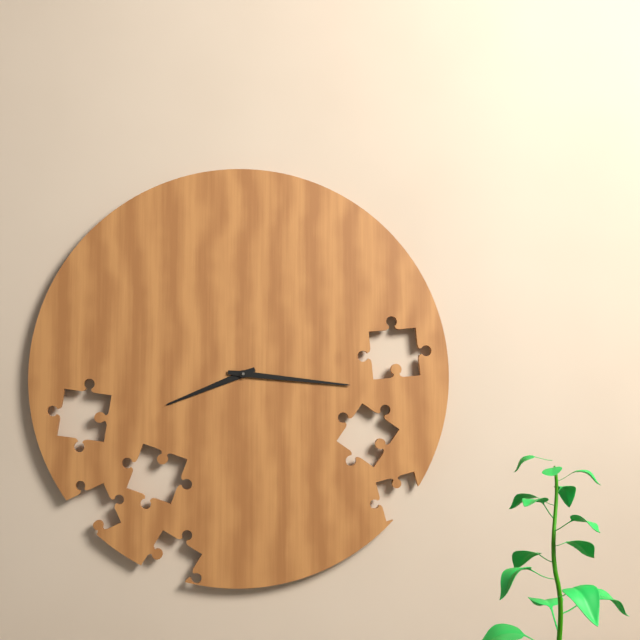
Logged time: {"hour": 8, "minute": 16}
